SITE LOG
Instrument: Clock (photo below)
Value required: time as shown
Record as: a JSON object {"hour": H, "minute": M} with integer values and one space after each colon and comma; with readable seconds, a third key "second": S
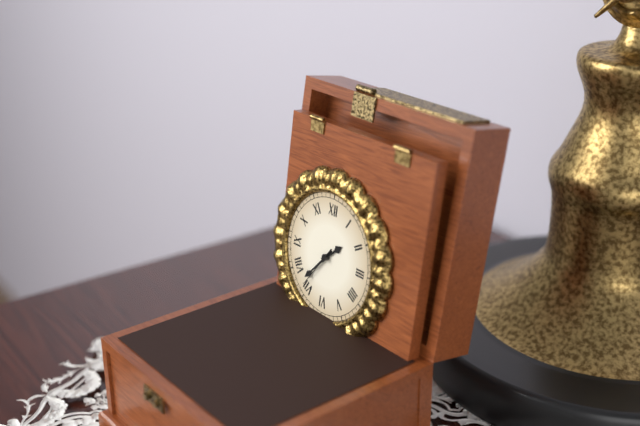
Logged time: {"hour": 1, "minute": 37}
